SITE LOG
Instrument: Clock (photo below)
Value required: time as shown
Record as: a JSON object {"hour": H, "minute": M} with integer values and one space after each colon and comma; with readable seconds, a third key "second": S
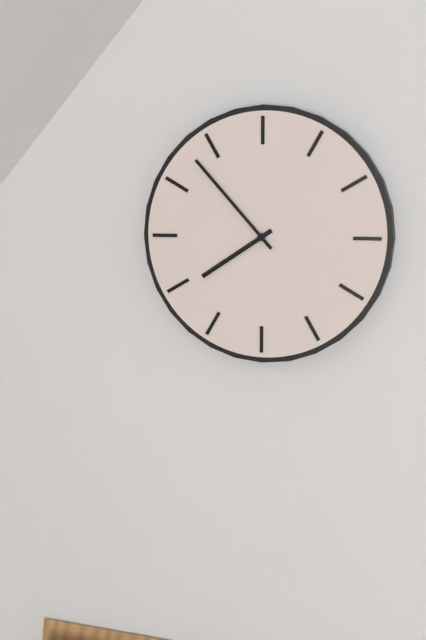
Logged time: {"hour": 7, "minute": 53}
